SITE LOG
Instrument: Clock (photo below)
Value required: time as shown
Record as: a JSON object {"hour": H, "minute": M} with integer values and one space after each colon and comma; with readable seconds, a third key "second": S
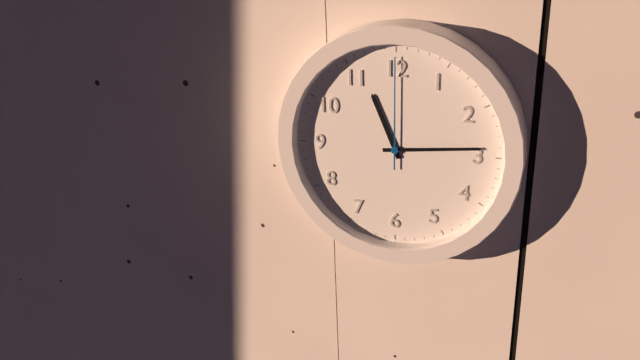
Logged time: {"hour": 11, "minute": 14, "second": 0}
